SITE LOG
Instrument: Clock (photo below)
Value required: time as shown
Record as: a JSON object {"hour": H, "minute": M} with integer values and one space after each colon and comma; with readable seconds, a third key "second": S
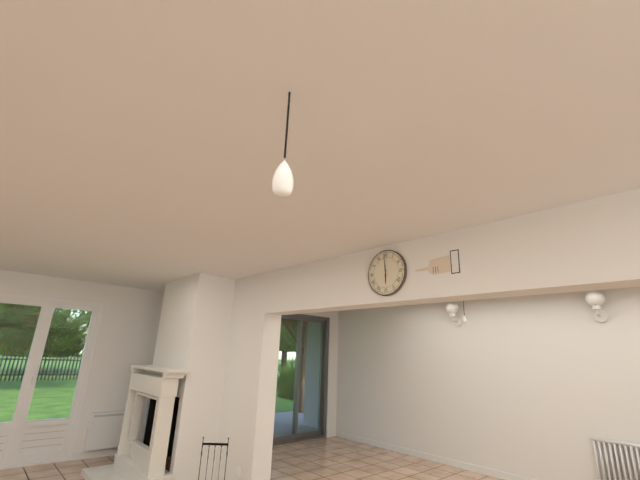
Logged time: {"hour": 5, "minute": 59}
